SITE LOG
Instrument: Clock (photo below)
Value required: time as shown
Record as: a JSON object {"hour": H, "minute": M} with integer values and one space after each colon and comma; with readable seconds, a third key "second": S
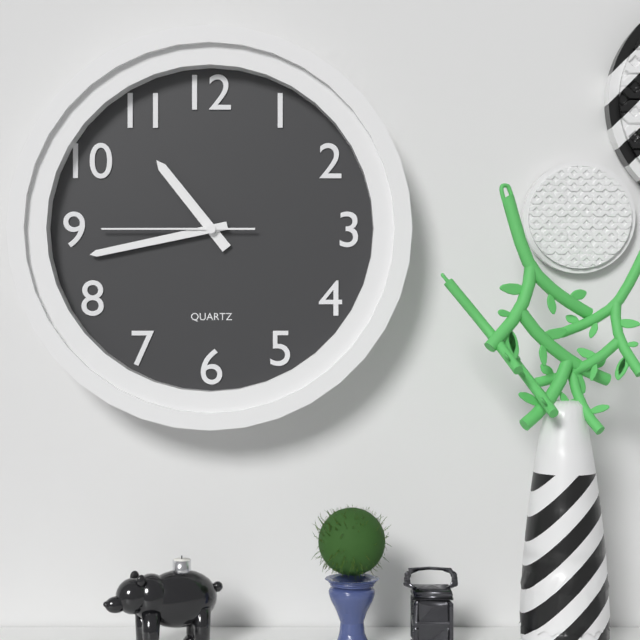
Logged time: {"hour": 10, "minute": 43, "second": 45}
